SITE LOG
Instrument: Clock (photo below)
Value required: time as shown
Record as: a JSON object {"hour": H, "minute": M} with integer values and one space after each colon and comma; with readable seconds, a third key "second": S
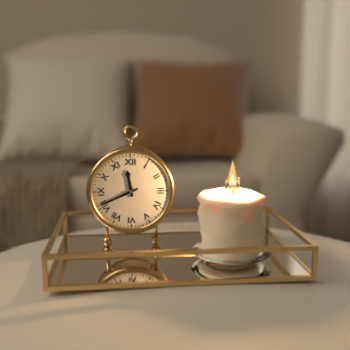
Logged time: {"hour": 11, "minute": 41}
